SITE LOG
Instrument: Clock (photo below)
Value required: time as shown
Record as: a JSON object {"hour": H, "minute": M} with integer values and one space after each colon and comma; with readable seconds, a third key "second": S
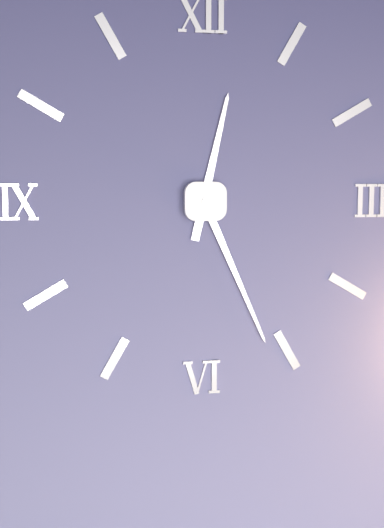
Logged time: {"hour": 12, "minute": 26}
